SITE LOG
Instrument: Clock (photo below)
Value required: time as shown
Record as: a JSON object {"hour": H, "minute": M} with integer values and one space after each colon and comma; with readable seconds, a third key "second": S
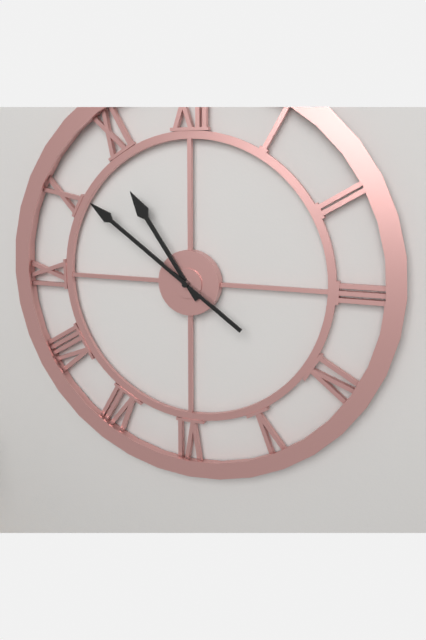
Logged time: {"hour": 10, "minute": 51}
